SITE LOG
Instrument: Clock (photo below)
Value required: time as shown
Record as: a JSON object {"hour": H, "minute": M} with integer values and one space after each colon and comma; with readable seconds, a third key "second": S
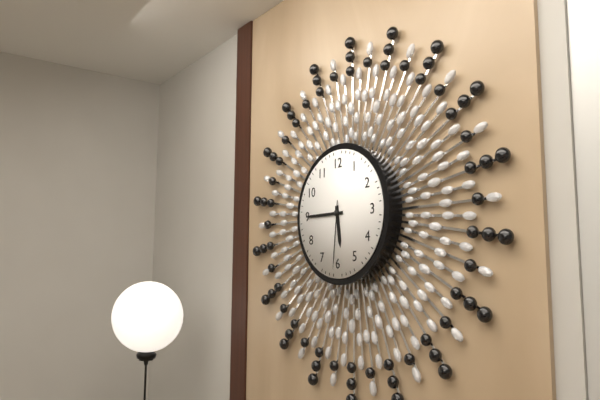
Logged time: {"hour": 5, "minute": 45, "second": 31}
